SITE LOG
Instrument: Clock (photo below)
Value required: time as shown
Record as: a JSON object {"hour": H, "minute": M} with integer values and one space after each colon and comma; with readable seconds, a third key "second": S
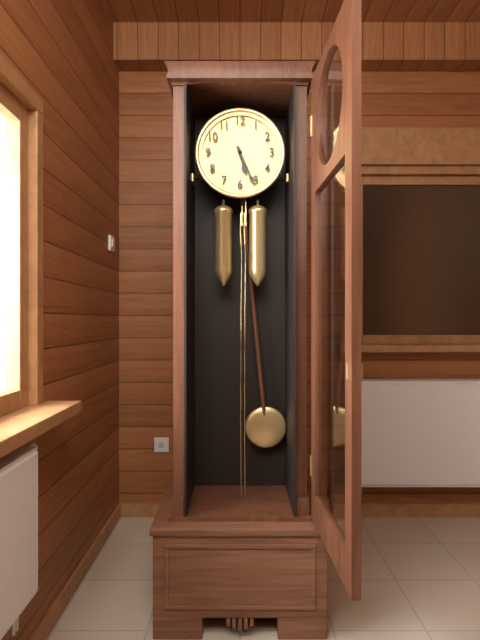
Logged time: {"hour": 5, "minute": 26}
